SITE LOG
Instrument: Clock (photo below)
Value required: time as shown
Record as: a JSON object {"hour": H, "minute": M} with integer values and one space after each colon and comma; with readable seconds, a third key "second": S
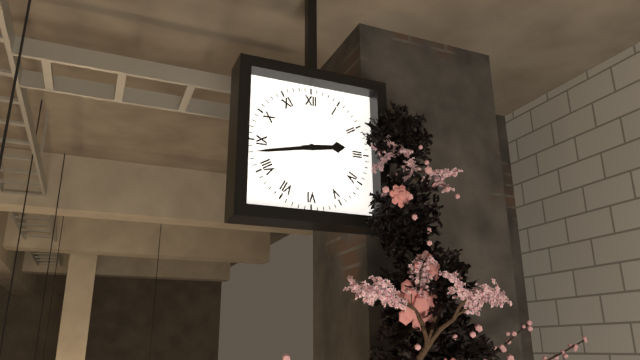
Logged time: {"hour": 2, "minute": 43}
